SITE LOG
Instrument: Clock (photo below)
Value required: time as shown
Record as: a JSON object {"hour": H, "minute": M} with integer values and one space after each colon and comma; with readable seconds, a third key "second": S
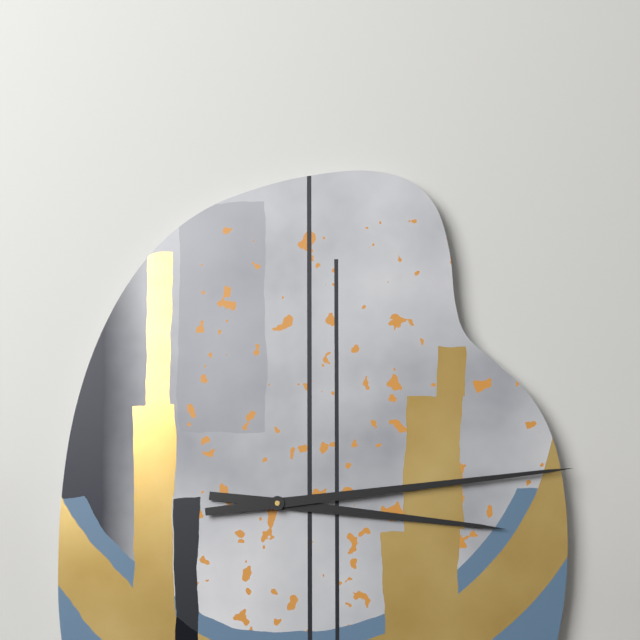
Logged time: {"hour": 3, "minute": 14}
